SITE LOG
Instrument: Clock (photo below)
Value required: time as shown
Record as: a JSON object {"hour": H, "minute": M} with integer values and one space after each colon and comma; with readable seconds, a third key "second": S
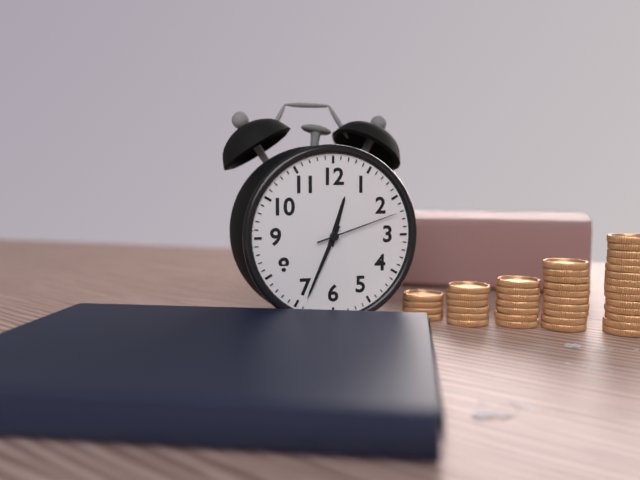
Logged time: {"hour": 12, "minute": 34, "second": 12}
